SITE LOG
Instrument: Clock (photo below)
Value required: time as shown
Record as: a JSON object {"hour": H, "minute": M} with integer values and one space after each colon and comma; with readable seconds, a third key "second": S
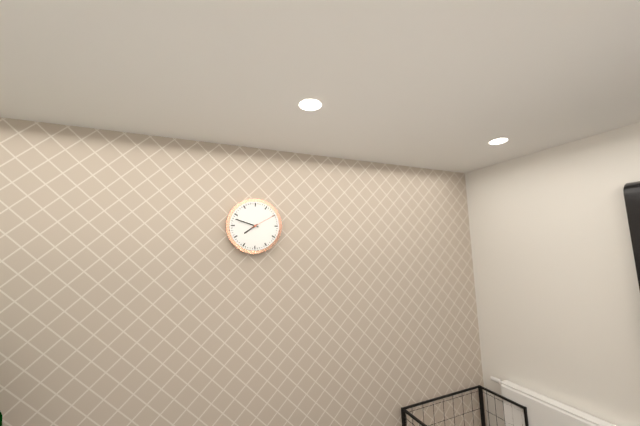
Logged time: {"hour": 7, "minute": 48}
